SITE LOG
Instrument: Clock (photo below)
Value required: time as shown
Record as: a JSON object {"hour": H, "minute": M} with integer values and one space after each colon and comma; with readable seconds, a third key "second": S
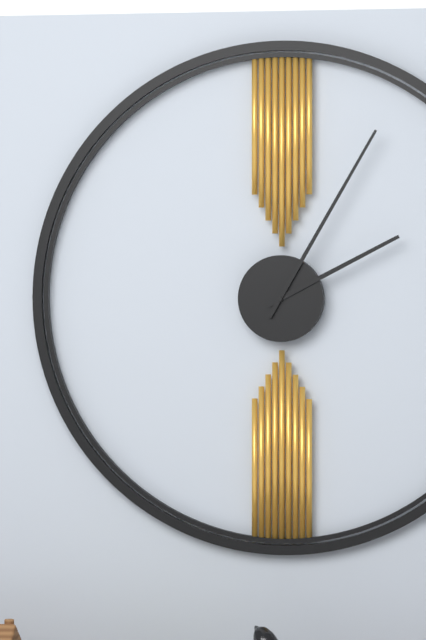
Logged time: {"hour": 2, "minute": 5}
